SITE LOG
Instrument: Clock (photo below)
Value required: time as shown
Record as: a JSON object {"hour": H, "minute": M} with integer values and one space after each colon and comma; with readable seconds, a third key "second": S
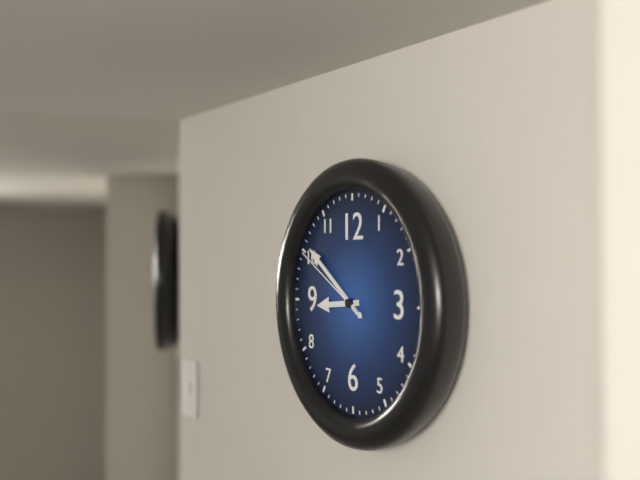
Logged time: {"hour": 8, "minute": 51, "second": 50}
